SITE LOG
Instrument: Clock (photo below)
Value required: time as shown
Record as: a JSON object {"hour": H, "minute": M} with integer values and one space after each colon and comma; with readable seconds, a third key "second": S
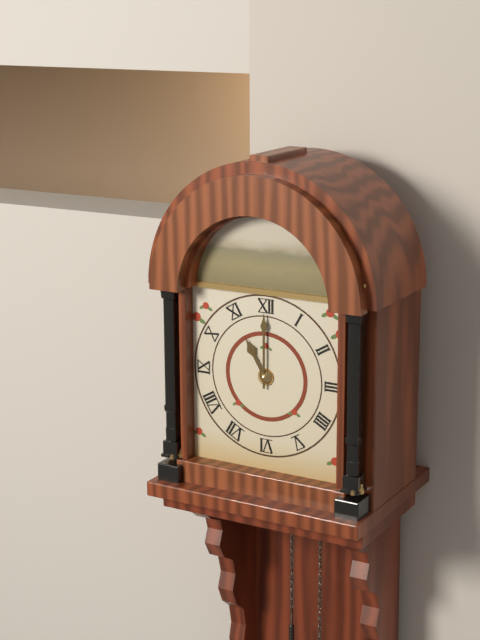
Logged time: {"hour": 11, "minute": 0}
